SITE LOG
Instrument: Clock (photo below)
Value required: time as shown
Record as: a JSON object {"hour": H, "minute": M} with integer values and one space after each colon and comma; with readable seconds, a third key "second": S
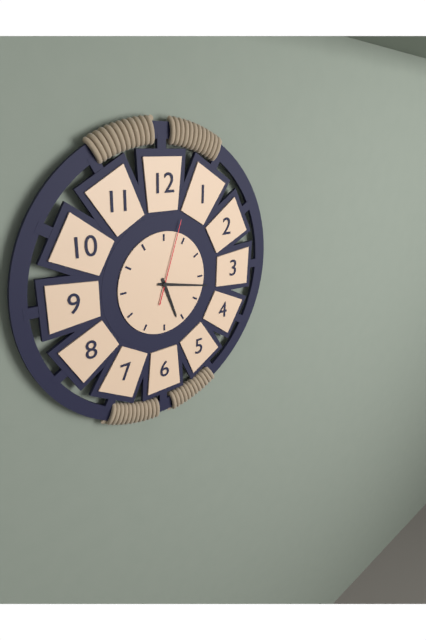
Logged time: {"hour": 5, "minute": 17, "second": 3}
